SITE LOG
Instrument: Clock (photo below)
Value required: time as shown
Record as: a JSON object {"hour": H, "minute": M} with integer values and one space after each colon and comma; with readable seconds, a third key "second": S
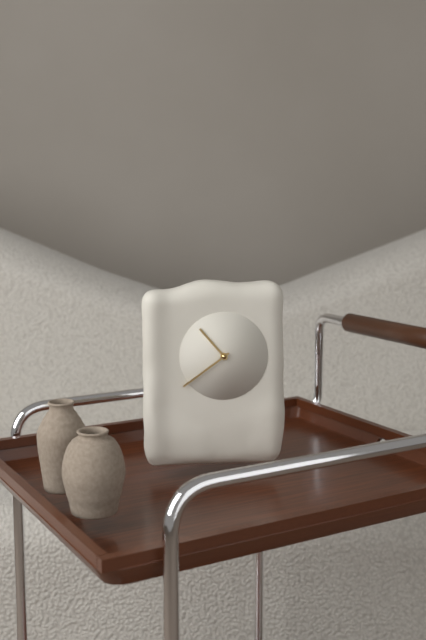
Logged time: {"hour": 10, "minute": 39}
